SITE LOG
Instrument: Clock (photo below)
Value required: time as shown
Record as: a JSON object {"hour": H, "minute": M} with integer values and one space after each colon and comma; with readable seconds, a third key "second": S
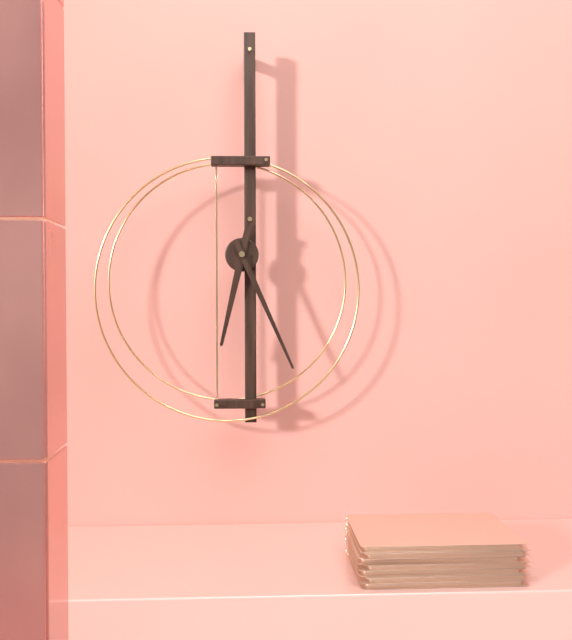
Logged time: {"hour": 6, "minute": 26}
